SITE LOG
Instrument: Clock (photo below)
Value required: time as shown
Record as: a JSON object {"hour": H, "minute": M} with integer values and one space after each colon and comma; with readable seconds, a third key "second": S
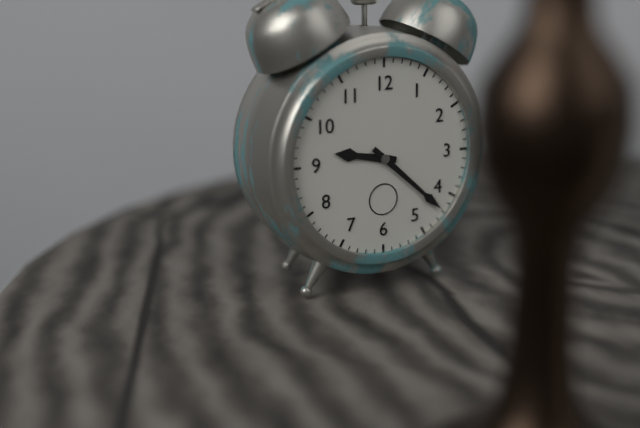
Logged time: {"hour": 9, "minute": 22}
